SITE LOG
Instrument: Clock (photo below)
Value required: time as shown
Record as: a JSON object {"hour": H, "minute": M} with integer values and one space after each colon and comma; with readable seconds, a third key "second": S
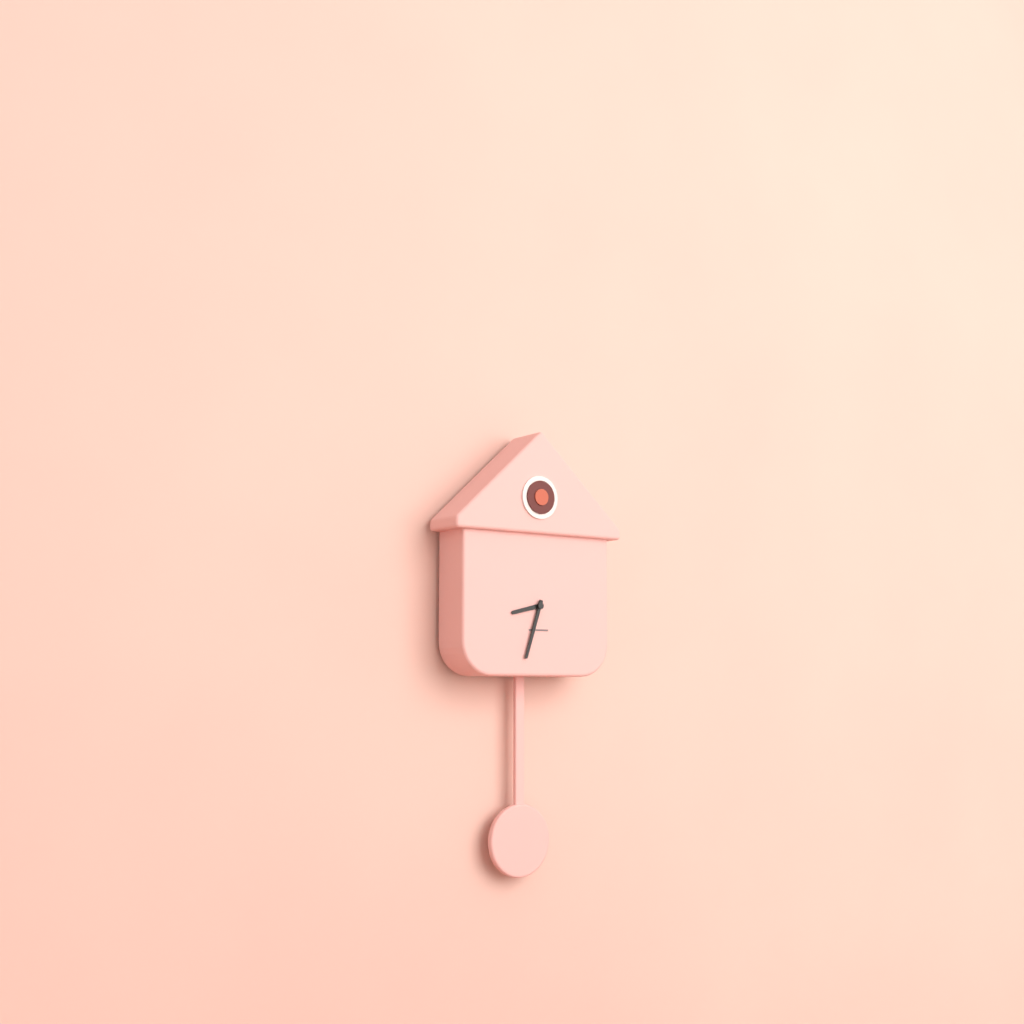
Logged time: {"hour": 8, "minute": 33}
